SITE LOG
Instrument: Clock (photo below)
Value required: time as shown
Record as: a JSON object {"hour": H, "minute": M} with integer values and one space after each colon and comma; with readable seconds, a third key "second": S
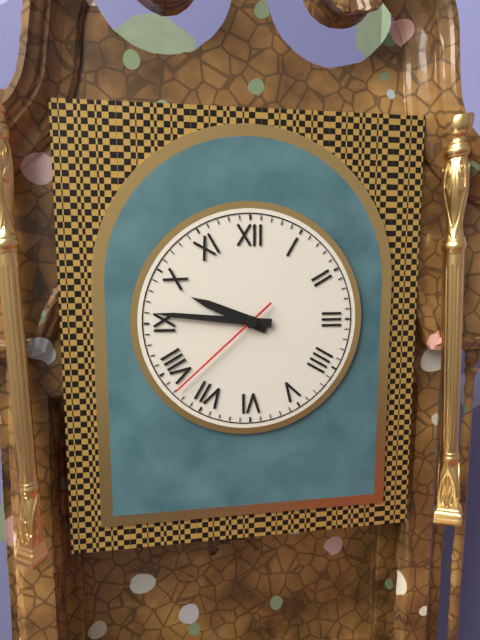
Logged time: {"hour": 9, "minute": 46, "second": 38}
